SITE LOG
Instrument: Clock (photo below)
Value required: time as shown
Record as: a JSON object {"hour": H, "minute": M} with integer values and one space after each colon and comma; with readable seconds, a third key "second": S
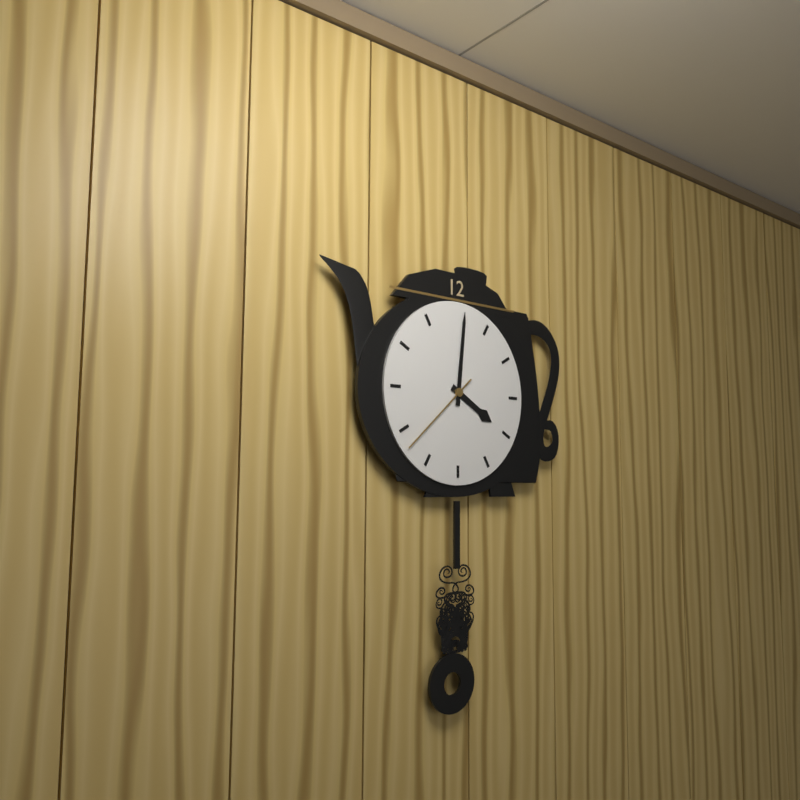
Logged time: {"hour": 4, "minute": 1, "second": 38}
